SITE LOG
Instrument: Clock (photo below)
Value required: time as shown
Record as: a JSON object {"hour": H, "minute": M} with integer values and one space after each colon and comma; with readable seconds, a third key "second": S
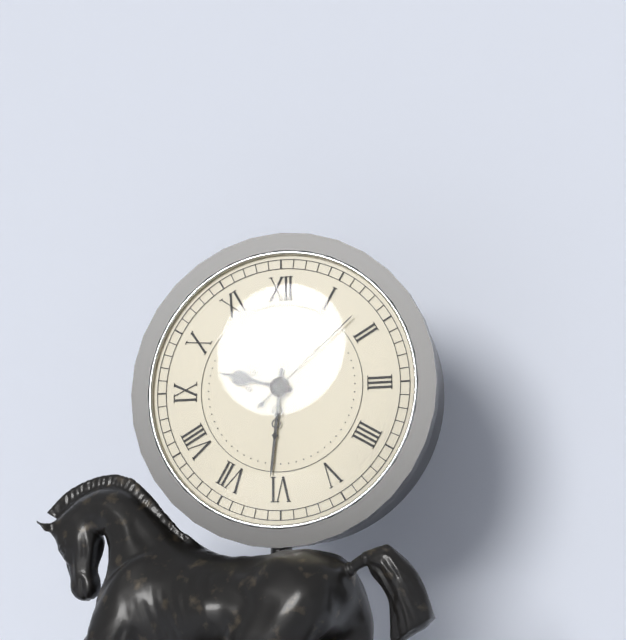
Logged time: {"hour": 9, "minute": 31, "second": 8}
